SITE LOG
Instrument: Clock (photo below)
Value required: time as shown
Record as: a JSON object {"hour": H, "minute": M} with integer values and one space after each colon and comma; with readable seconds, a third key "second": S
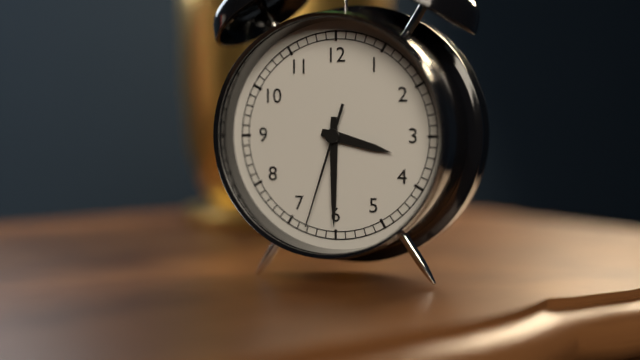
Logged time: {"hour": 3, "minute": 30, "second": 33}
